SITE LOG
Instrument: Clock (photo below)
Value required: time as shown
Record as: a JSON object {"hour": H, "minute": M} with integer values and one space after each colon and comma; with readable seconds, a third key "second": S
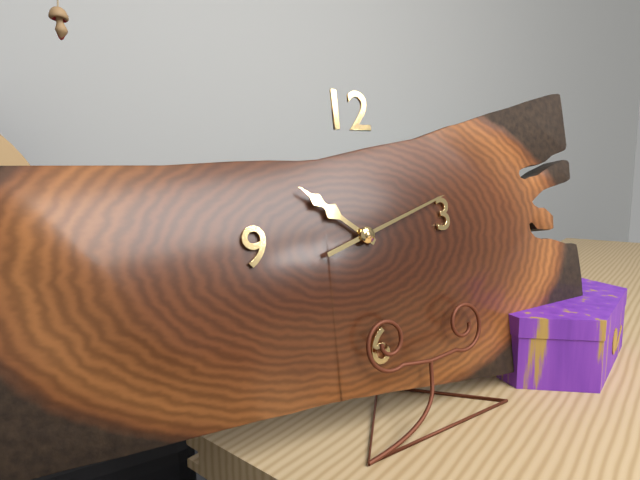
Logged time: {"hour": 10, "minute": 12}
